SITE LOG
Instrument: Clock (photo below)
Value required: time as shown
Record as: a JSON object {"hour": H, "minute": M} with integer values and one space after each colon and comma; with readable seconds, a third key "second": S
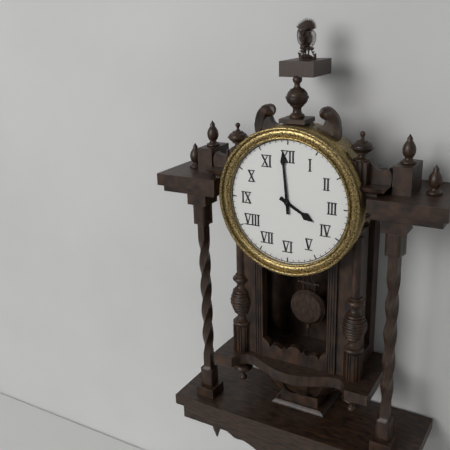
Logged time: {"hour": 3, "minute": 59}
